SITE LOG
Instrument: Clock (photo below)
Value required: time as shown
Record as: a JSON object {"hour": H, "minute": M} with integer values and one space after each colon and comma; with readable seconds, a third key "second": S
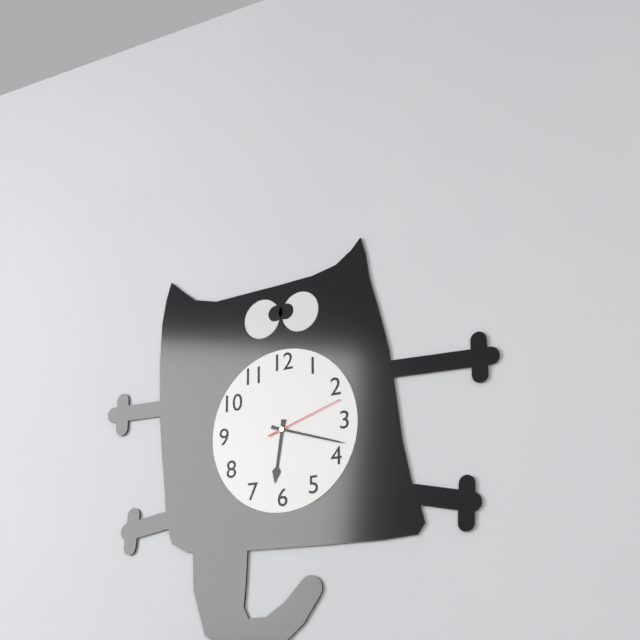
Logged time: {"hour": 6, "minute": 18, "second": 12}
